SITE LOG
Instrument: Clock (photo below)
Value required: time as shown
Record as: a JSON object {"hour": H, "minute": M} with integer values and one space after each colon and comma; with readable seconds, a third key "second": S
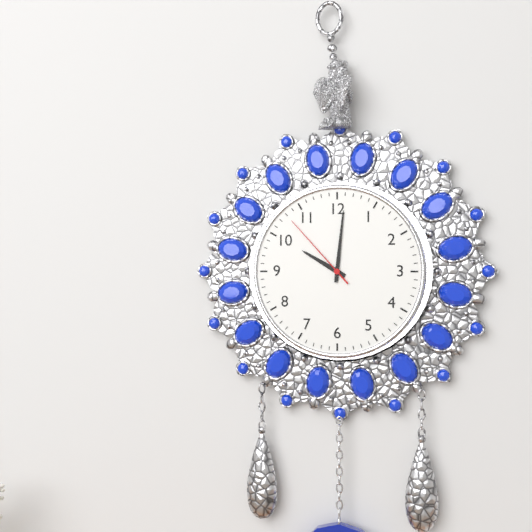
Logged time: {"hour": 10, "minute": 1, "second": 53}
